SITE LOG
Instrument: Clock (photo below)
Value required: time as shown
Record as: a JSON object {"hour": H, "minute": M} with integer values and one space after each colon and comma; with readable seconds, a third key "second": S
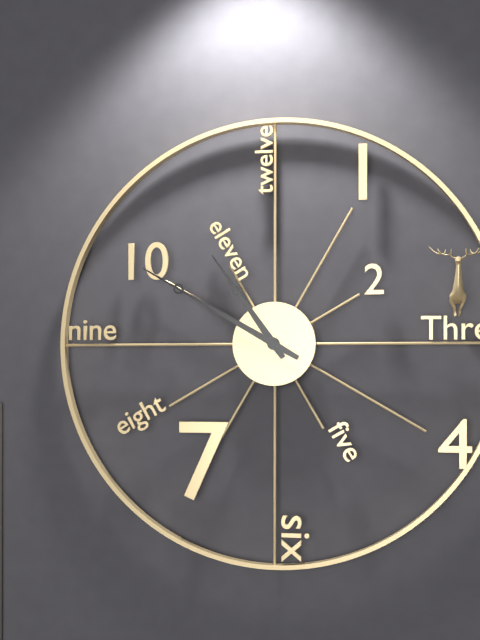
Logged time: {"hour": 10, "minute": 50}
